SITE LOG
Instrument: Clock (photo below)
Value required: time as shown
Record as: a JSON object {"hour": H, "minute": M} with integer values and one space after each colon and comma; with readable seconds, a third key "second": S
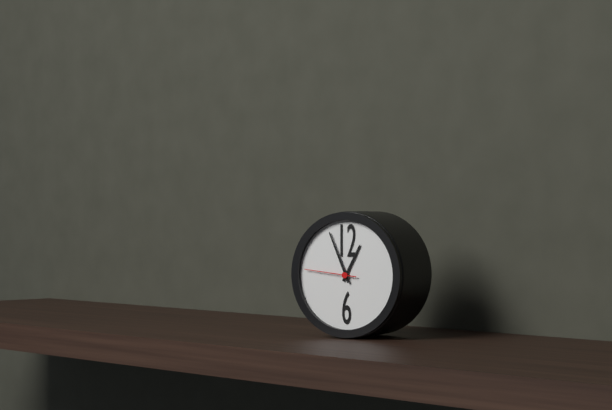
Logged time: {"hour": 12, "minute": 56, "second": 46}
